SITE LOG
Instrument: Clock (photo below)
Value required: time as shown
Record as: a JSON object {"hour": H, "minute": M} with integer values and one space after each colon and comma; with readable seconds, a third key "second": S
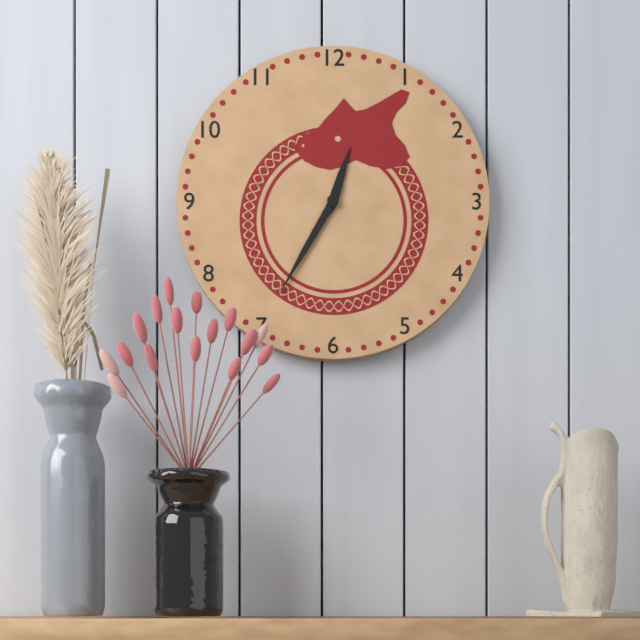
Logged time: {"hour": 12, "minute": 35}
